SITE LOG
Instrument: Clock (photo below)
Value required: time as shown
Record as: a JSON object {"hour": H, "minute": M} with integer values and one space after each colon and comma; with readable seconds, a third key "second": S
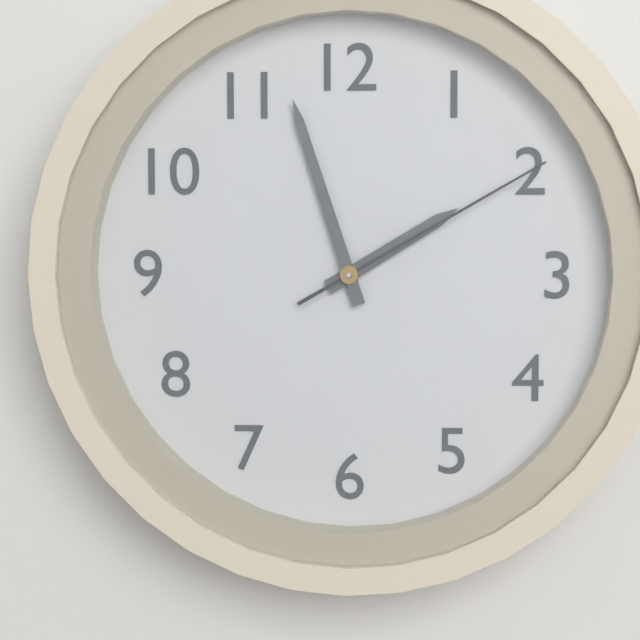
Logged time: {"hour": 1, "minute": 57, "second": 10}
